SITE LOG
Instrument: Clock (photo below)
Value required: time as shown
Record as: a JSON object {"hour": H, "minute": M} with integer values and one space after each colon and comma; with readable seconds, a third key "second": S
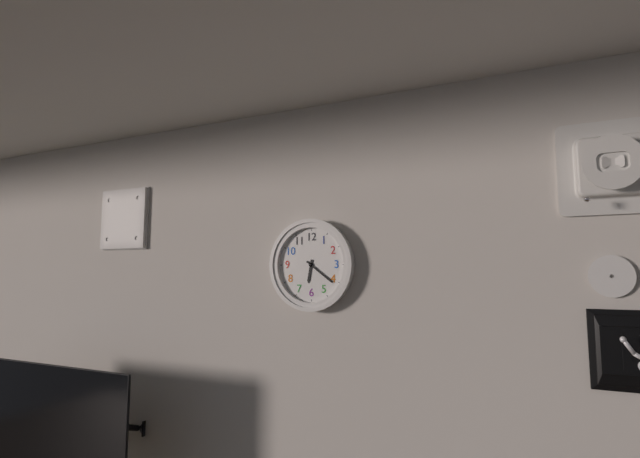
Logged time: {"hour": 6, "minute": 21}
